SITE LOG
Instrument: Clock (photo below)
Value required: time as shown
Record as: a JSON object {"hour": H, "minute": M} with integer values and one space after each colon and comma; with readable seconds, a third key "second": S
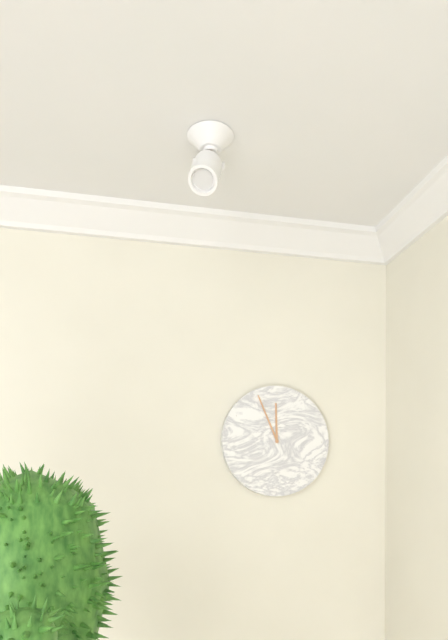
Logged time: {"hour": 11, "minute": 56}
